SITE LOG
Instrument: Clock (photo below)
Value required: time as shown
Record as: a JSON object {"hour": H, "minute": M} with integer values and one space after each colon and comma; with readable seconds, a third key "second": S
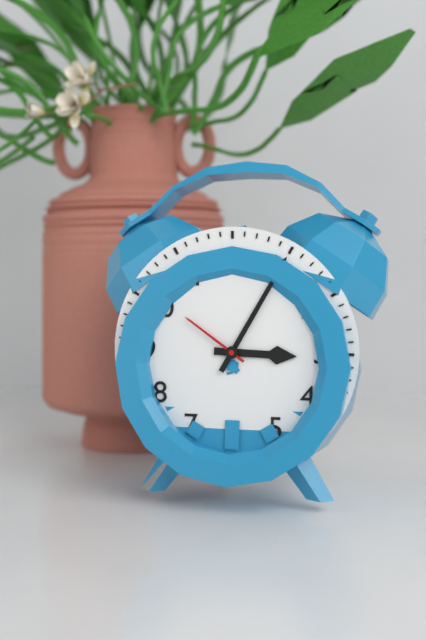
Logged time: {"hour": 3, "minute": 5, "second": 51}
